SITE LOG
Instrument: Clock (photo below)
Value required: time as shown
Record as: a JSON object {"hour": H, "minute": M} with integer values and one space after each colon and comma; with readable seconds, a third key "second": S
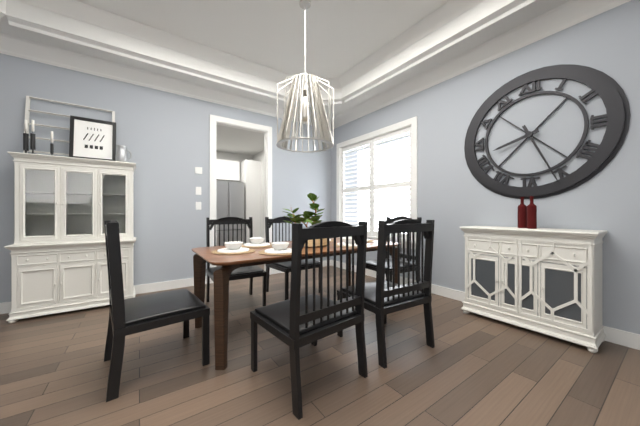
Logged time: {"hour": 8, "minute": 26}
